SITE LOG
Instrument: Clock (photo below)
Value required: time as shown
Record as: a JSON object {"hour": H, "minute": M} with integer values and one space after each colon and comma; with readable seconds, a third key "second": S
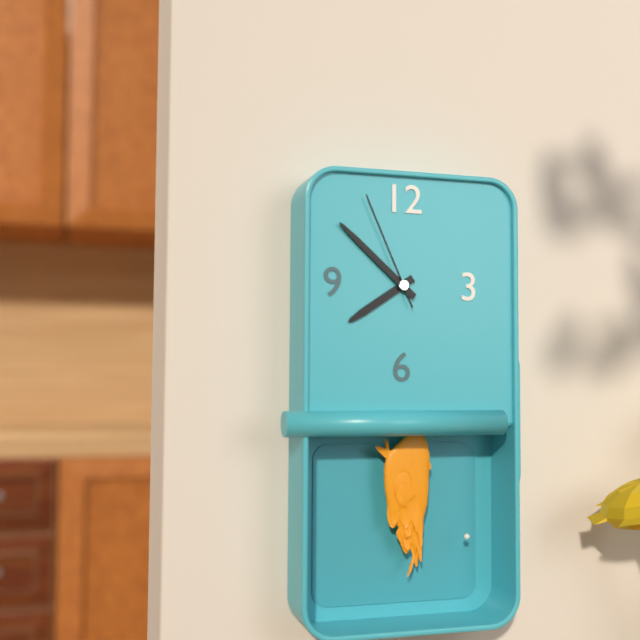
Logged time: {"hour": 7, "minute": 52, "second": 56}
